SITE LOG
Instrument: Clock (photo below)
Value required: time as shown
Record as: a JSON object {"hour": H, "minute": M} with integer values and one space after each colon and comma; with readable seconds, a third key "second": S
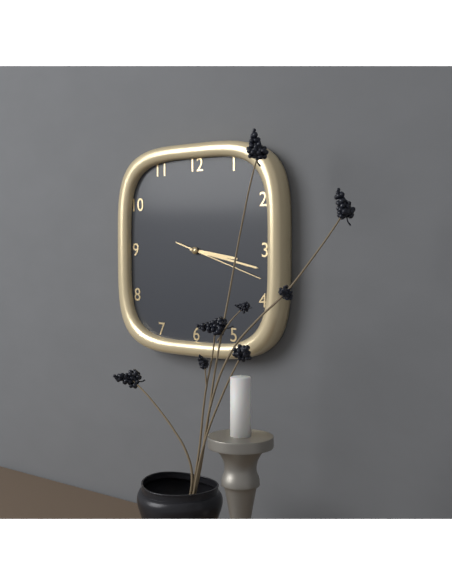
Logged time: {"hour": 3, "minute": 17, "second": 18}
